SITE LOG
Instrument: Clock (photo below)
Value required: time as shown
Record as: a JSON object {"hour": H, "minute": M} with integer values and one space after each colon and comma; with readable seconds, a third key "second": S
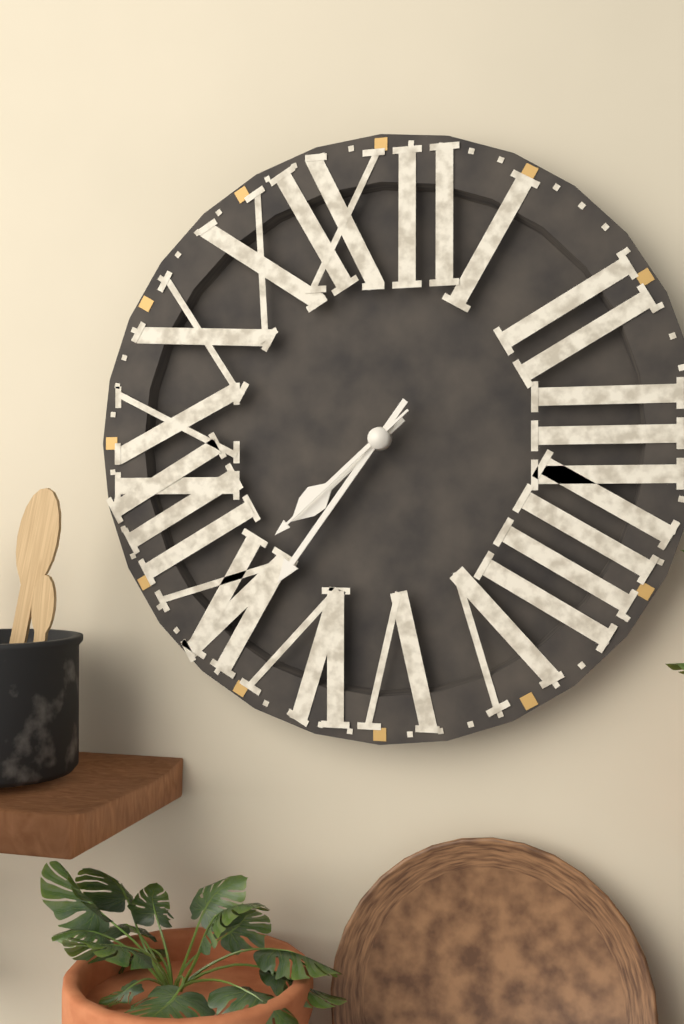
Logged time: {"hour": 7, "minute": 36, "second": 38}
